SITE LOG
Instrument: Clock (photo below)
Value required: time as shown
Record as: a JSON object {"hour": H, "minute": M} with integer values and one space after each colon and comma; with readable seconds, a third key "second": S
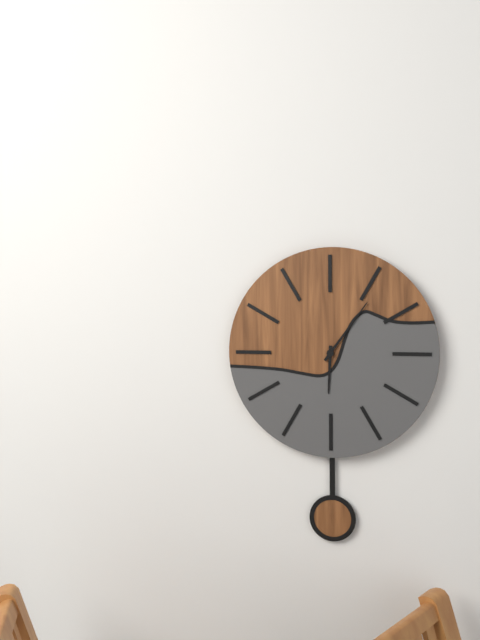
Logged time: {"hour": 6, "minute": 6}
